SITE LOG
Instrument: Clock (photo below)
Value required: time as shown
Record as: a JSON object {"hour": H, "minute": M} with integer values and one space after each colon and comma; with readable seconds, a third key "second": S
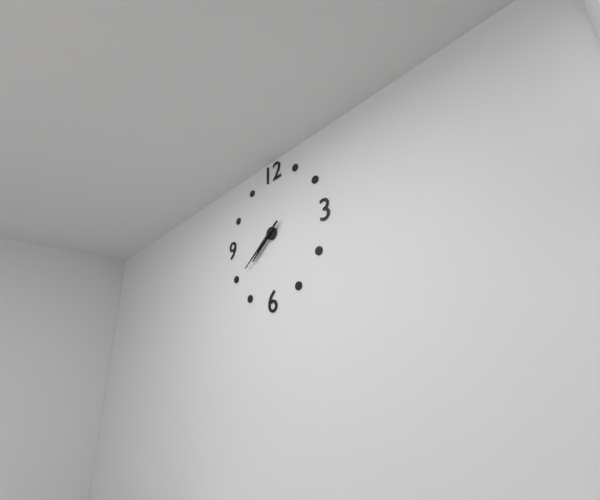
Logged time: {"hour": 7, "minute": 39}
